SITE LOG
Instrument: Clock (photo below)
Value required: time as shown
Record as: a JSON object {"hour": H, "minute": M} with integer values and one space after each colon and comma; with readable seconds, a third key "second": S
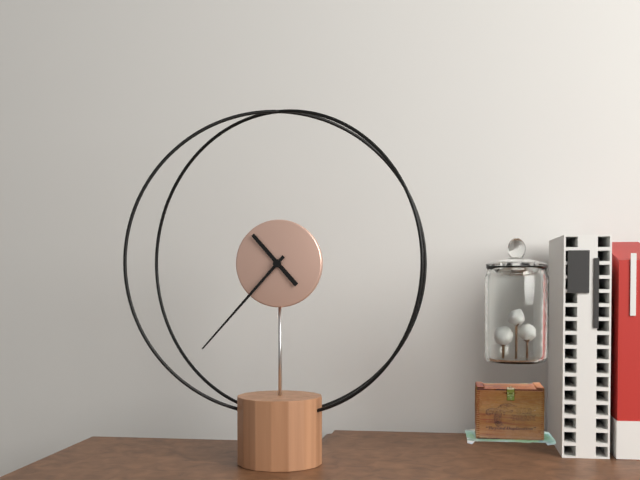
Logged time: {"hour": 10, "minute": 37}
